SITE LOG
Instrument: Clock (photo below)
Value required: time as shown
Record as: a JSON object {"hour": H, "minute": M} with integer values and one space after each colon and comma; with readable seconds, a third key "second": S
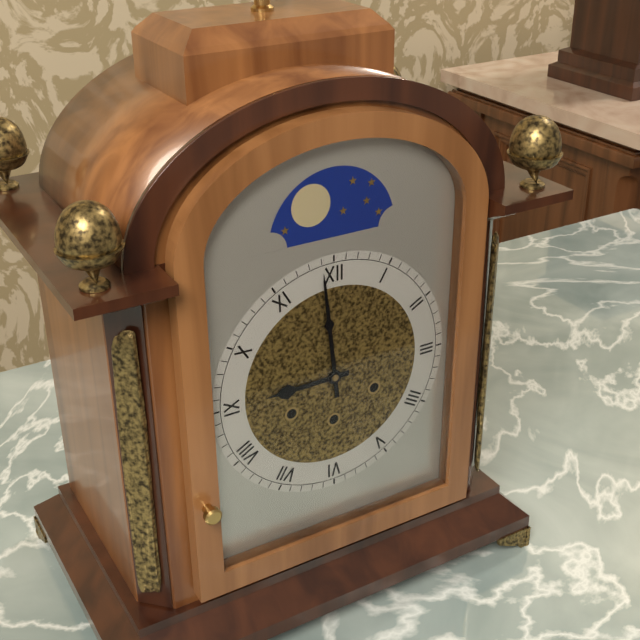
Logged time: {"hour": 8, "minute": 59}
